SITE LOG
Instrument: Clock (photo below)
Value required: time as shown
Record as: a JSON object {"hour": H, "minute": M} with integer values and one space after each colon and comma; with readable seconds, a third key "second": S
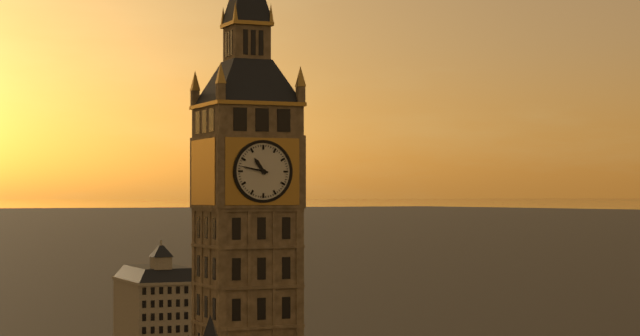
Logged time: {"hour": 10, "minute": 47}
